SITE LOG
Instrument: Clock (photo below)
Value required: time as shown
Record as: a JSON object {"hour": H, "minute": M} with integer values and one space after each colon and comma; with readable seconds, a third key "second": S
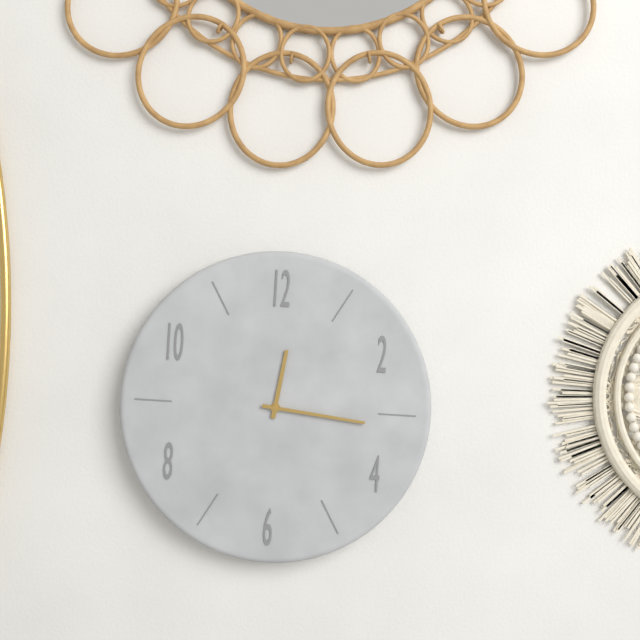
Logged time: {"hour": 12, "minute": 16}
